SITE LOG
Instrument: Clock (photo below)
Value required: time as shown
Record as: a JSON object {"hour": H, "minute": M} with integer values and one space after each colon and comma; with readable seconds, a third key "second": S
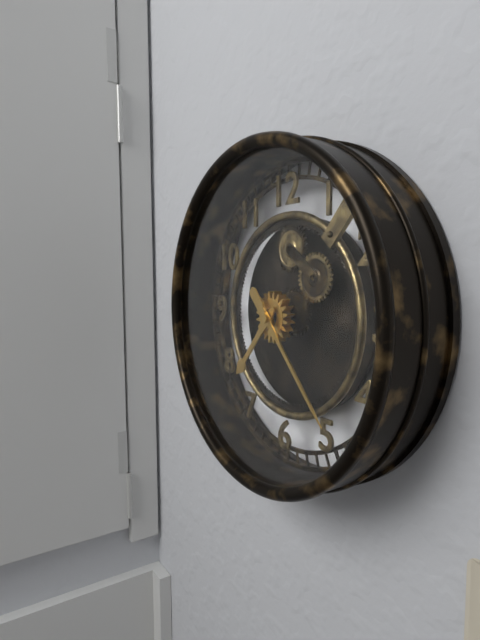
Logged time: {"hour": 7, "minute": 23}
